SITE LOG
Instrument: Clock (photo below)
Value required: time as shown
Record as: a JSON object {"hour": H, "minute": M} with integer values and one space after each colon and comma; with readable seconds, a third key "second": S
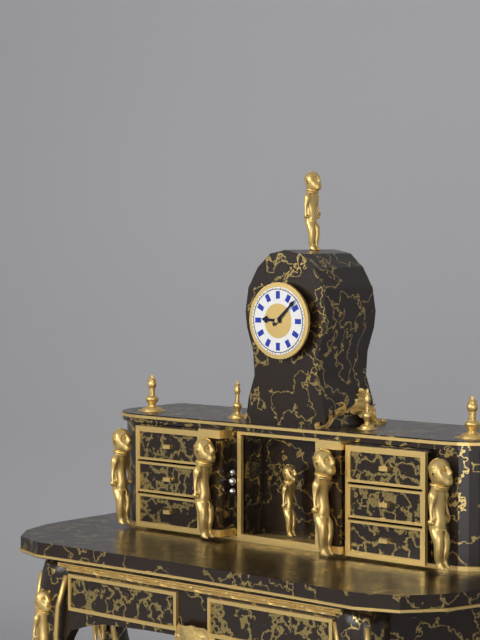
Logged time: {"hour": 9, "minute": 8}
